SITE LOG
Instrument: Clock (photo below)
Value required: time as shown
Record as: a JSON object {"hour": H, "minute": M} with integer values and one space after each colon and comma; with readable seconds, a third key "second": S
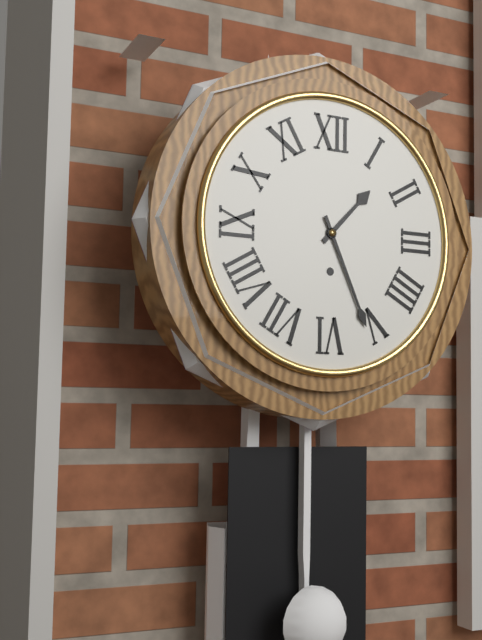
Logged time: {"hour": 1, "minute": 26}
